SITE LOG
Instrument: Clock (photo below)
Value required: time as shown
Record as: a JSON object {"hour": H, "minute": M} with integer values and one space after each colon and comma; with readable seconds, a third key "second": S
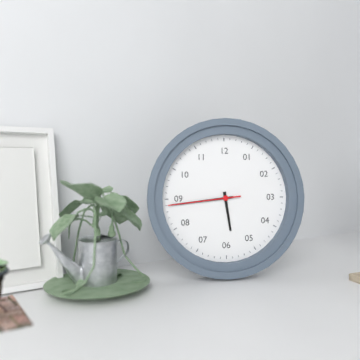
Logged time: {"hour": 5, "minute": 44, "second": 44}
